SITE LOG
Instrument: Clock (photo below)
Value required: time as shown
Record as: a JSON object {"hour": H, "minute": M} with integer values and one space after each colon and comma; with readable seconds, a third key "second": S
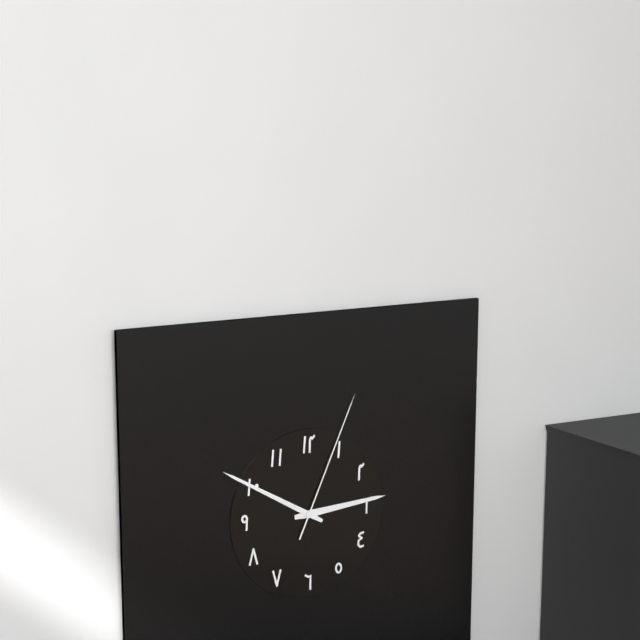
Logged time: {"hour": 2, "minute": 50, "second": 4}
